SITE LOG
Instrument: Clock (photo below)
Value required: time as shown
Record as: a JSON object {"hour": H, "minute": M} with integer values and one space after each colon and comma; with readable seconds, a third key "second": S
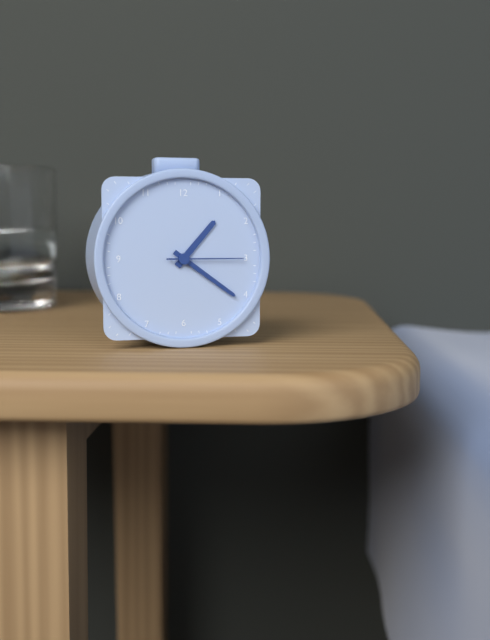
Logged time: {"hour": 1, "minute": 21, "second": 15}
